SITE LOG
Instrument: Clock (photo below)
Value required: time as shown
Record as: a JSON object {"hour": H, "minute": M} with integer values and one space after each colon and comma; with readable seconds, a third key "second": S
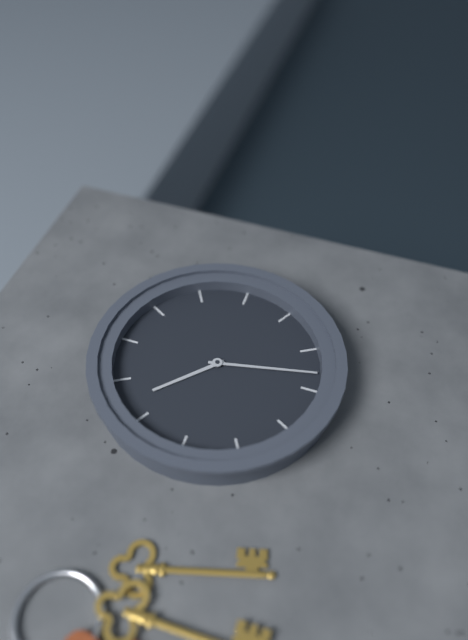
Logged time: {"hour": 10, "minute": 28}
